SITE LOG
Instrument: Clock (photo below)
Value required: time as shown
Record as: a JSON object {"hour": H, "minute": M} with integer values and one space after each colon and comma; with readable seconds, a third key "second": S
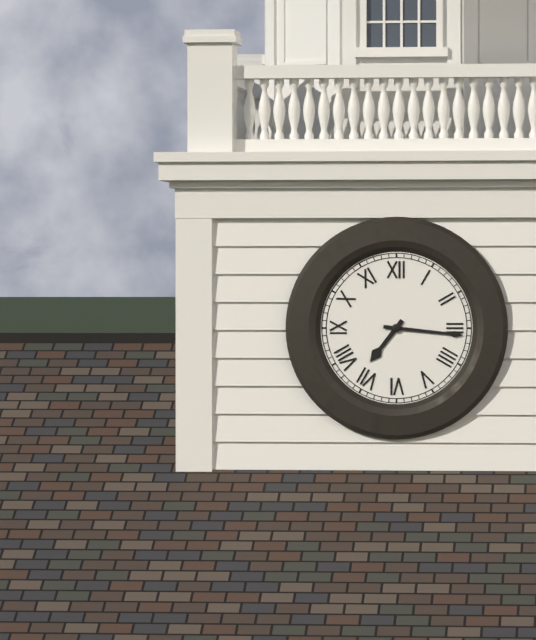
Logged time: {"hour": 7, "minute": 16}
